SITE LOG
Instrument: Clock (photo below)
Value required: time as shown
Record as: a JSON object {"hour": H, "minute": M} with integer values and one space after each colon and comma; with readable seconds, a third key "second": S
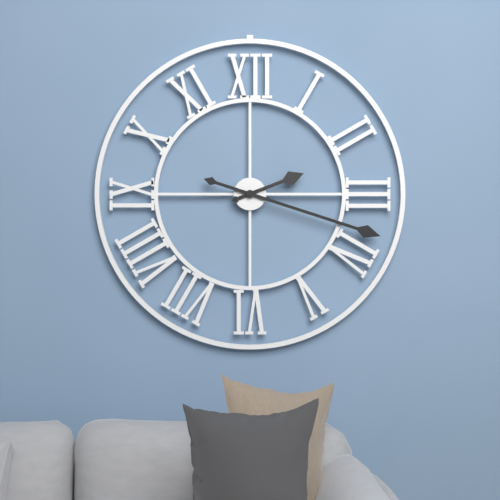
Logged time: {"hour": 2, "minute": 18}
